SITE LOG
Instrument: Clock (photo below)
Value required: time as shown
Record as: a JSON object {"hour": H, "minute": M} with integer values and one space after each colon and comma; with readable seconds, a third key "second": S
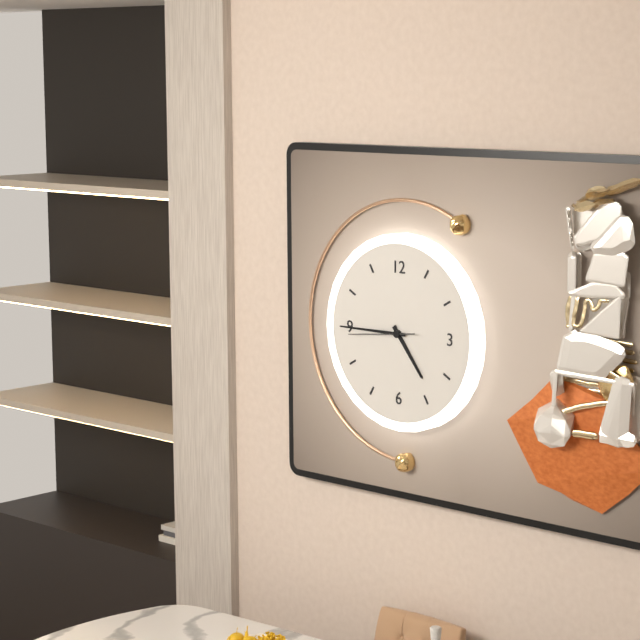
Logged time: {"hour": 4, "minute": 45, "second": 44}
